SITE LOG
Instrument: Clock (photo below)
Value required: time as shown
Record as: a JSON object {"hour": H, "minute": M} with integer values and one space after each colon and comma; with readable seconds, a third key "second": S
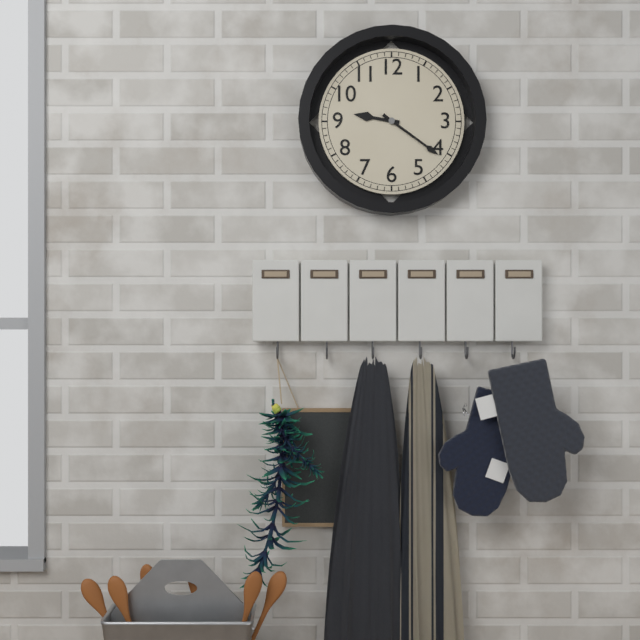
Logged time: {"hour": 9, "minute": 21}
